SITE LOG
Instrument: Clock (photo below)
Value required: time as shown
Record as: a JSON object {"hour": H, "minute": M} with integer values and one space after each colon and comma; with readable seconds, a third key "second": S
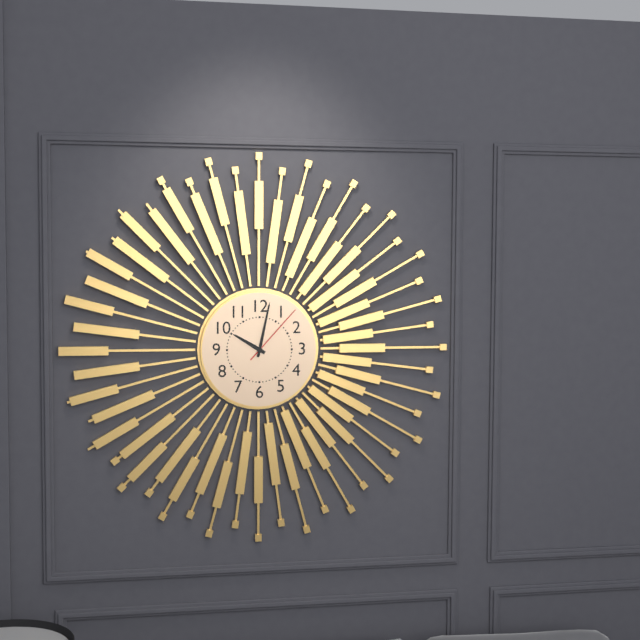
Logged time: {"hour": 10, "minute": 2, "second": 7}
